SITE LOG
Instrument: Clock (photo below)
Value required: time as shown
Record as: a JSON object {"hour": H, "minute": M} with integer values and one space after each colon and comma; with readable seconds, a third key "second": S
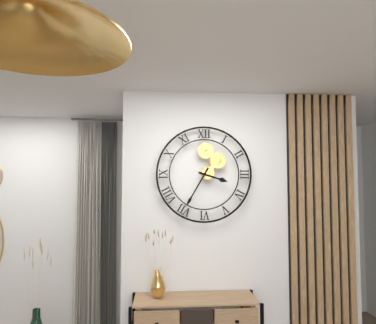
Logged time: {"hour": 3, "minute": 35}
